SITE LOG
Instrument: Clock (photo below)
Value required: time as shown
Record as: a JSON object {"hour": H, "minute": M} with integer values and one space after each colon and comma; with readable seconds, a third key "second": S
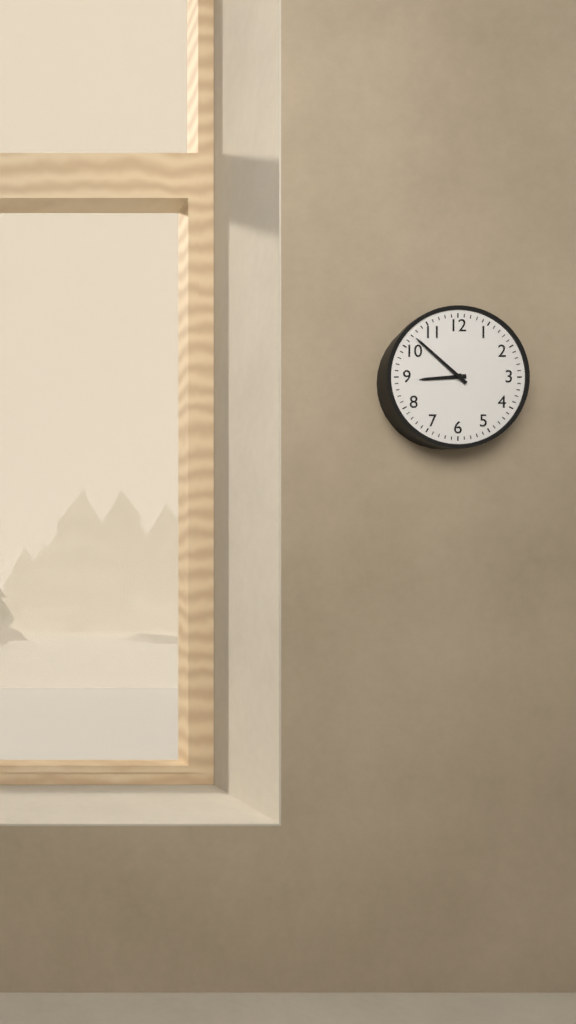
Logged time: {"hour": 8, "minute": 52}
